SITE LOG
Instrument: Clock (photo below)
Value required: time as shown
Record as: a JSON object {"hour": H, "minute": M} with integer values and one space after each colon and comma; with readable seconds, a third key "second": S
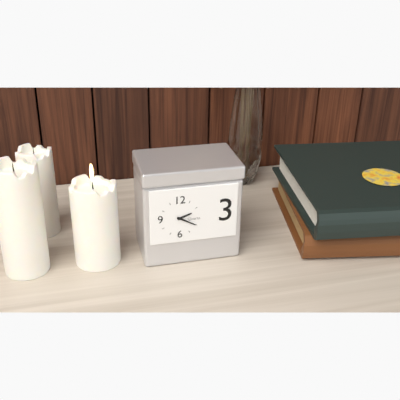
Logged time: {"hour": 2, "minute": 20}
